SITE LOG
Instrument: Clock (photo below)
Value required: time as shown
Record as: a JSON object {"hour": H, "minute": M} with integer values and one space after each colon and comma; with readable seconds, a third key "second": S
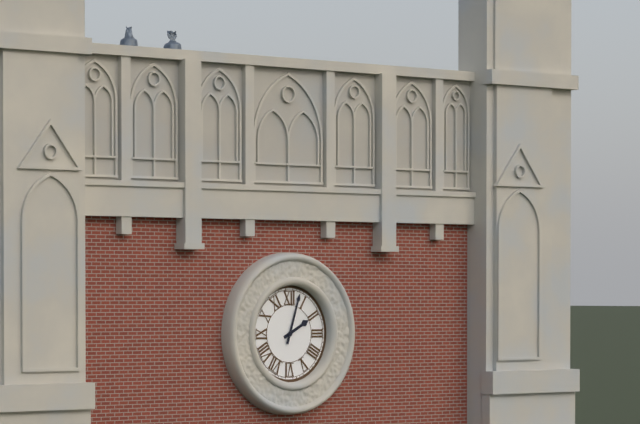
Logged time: {"hour": 2, "minute": 3}
